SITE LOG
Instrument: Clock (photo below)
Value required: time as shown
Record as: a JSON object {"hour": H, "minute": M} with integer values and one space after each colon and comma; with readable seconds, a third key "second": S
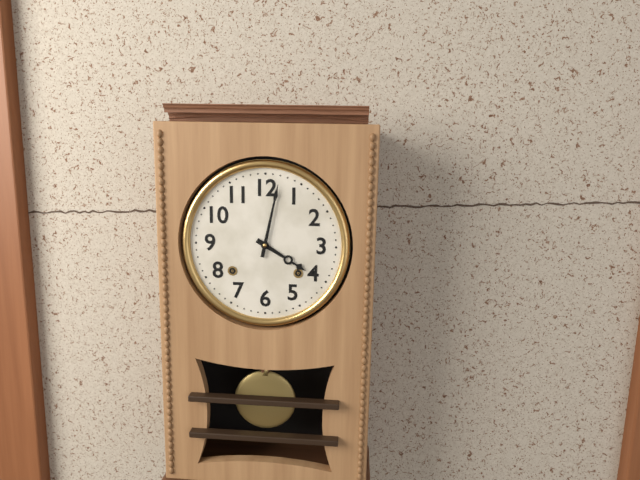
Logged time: {"hour": 4, "minute": 2}
